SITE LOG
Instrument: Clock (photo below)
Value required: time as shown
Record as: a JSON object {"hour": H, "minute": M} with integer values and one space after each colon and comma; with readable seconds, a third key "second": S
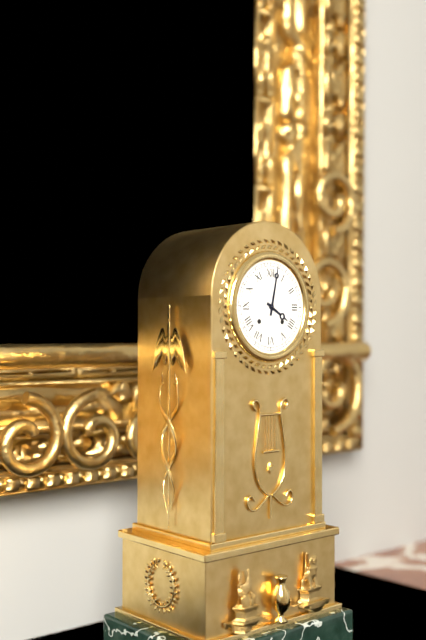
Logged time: {"hour": 4, "minute": 2}
